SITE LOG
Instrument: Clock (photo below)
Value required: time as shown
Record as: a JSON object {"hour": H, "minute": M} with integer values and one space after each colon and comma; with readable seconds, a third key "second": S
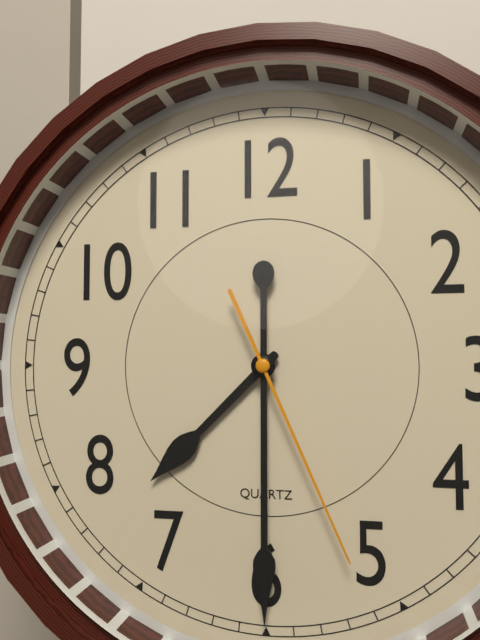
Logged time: {"hour": 7, "minute": 30, "second": 26}
